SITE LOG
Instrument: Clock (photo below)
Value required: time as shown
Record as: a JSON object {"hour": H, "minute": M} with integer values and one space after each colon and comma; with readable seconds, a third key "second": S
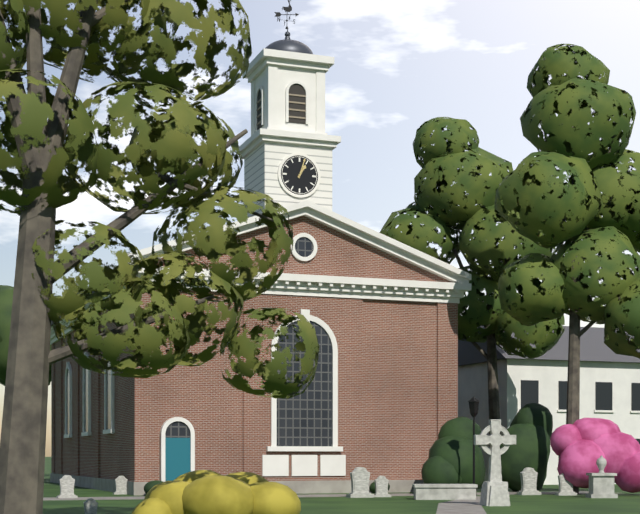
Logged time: {"hour": 1, "minute": 3}
